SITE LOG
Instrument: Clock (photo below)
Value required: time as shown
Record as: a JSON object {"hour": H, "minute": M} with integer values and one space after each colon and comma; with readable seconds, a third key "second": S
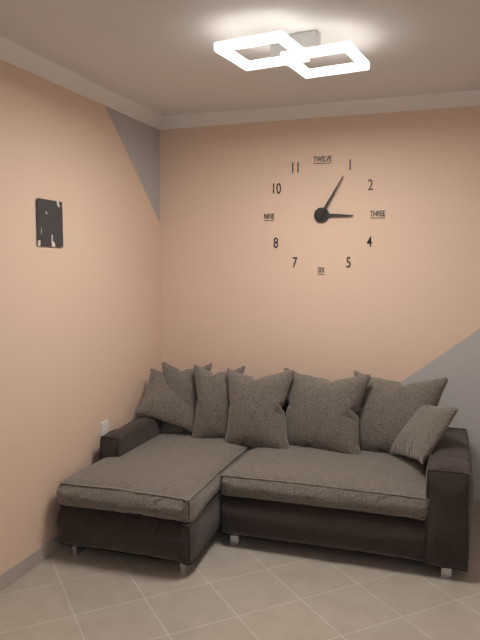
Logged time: {"hour": 3, "minute": 5}
